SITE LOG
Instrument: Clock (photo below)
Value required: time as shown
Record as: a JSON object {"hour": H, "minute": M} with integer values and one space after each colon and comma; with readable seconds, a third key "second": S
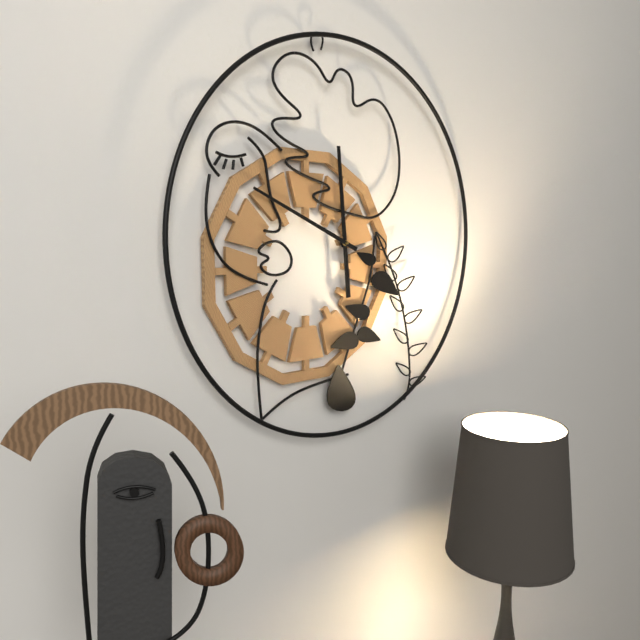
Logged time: {"hour": 11, "minute": 49}
